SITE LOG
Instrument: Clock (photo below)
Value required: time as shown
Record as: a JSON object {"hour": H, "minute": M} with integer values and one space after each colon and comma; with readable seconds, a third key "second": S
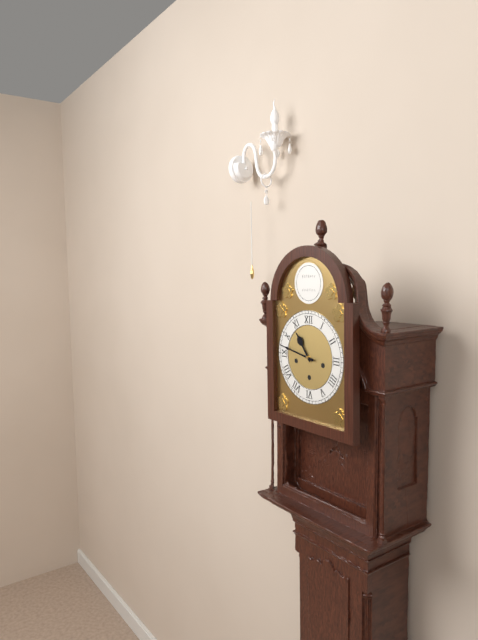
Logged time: {"hour": 10, "minute": 47}
